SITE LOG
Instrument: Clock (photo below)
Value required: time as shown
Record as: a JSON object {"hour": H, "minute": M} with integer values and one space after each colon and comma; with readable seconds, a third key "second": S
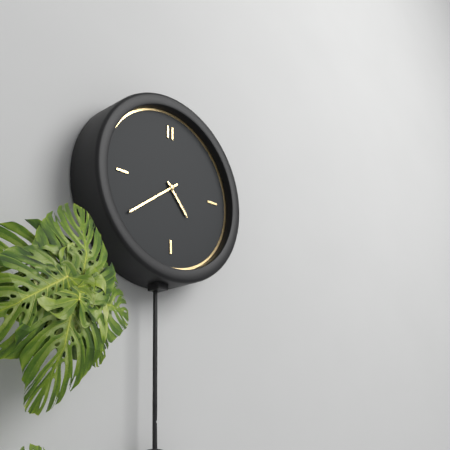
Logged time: {"hour": 4, "minute": 39}
